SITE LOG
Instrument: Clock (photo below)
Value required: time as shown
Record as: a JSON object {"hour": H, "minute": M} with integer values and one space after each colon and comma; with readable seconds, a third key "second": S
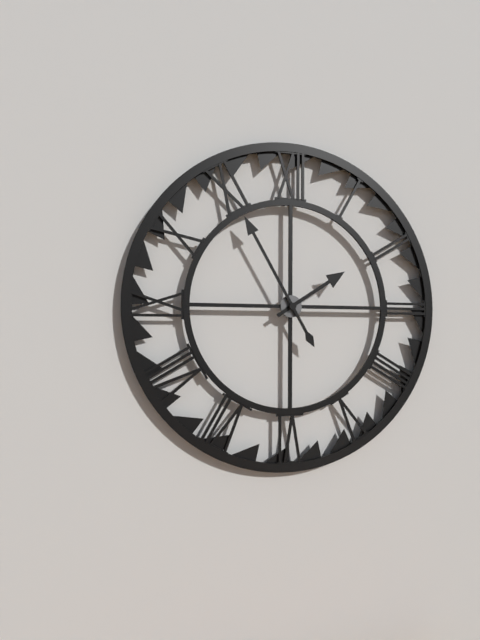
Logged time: {"hour": 1, "minute": 55}
